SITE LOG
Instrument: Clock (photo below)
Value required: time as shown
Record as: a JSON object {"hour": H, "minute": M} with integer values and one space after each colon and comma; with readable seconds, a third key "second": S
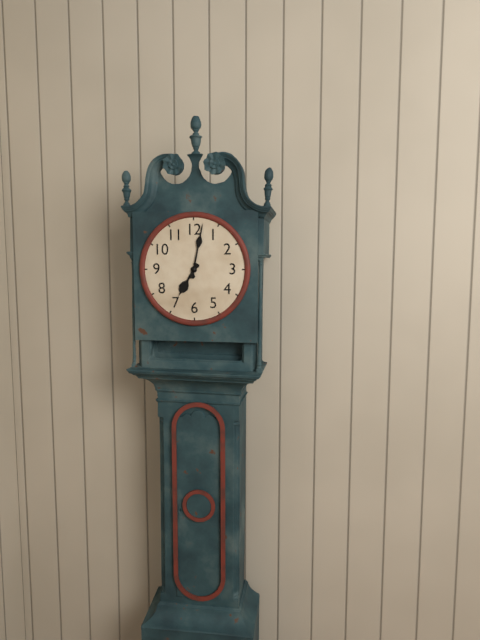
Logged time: {"hour": 7, "minute": 2}
